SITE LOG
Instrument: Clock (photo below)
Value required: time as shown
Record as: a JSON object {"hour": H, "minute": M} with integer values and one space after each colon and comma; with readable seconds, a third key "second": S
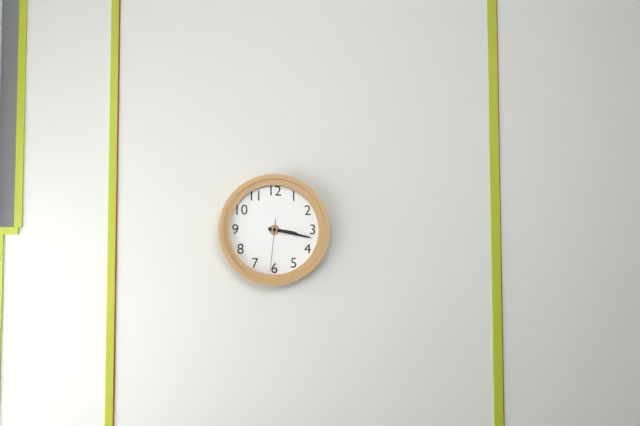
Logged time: {"hour": 3, "minute": 17, "second": 31}
